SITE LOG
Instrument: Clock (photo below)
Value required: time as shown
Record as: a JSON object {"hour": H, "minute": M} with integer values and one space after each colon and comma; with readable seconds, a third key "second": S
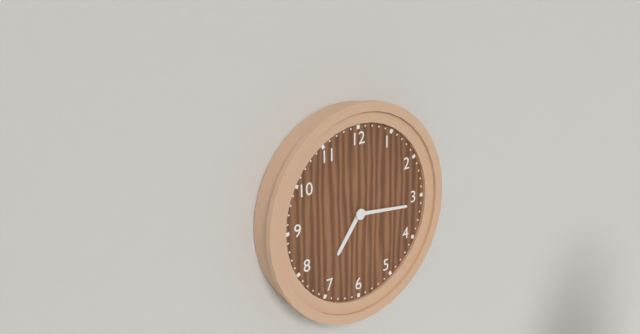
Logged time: {"hour": 7, "minute": 16}
